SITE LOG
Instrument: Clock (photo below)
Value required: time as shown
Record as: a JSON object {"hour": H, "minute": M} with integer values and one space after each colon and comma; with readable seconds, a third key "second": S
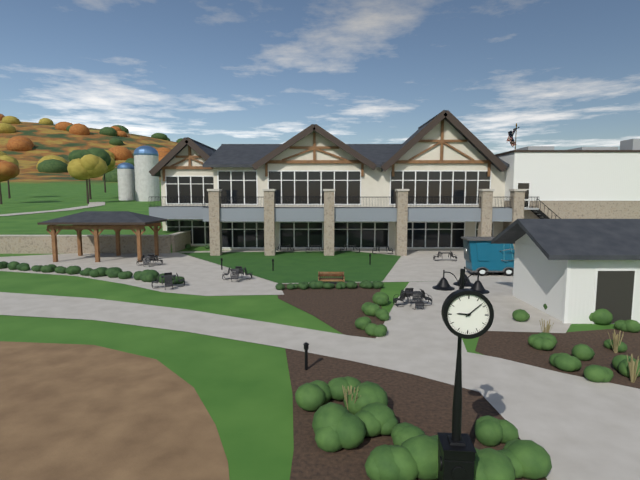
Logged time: {"hour": 9, "minute": 8}
